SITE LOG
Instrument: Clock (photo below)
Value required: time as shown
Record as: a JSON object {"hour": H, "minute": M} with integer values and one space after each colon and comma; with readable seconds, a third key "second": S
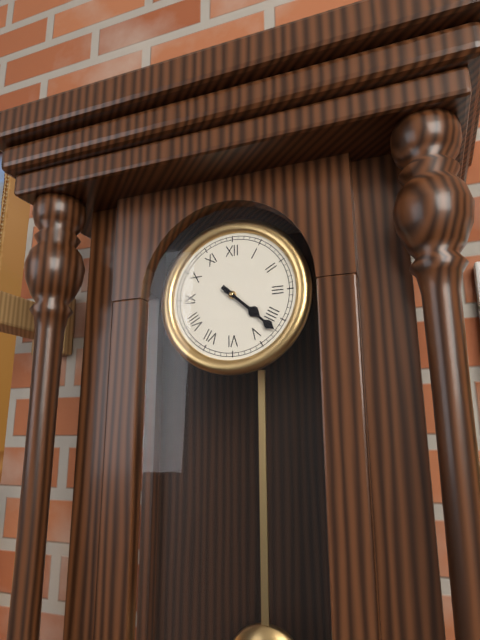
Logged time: {"hour": 4, "minute": 22}
